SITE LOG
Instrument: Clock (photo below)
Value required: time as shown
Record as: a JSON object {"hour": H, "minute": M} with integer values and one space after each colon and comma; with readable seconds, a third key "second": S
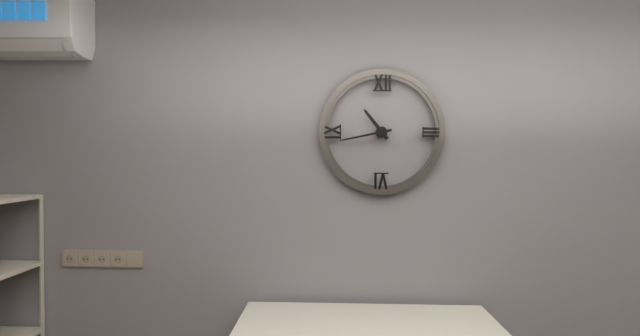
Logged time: {"hour": 10, "minute": 43}
